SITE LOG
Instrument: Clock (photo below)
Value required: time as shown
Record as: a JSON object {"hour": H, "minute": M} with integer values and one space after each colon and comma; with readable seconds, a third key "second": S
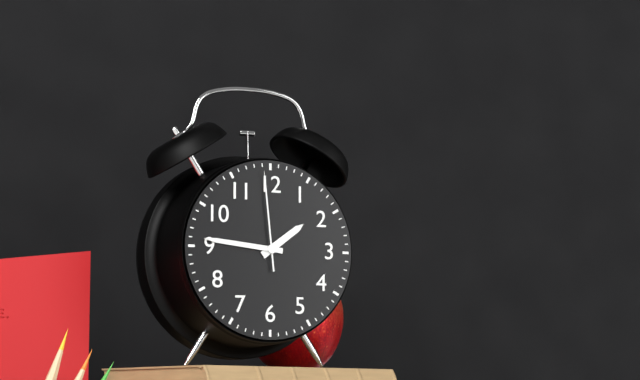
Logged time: {"hour": 1, "minute": 46, "second": 59}
